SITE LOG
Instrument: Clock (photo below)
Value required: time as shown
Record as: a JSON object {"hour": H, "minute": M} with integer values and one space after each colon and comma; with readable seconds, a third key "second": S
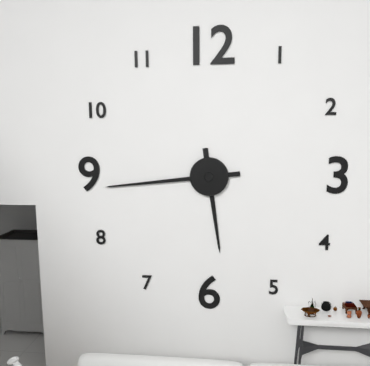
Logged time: {"hour": 5, "minute": 44}
